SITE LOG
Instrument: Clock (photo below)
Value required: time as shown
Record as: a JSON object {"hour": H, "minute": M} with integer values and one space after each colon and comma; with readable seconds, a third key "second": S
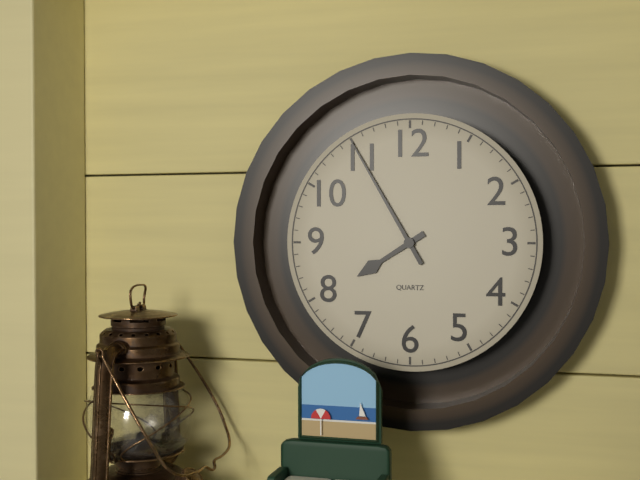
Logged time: {"hour": 7, "minute": 55}
